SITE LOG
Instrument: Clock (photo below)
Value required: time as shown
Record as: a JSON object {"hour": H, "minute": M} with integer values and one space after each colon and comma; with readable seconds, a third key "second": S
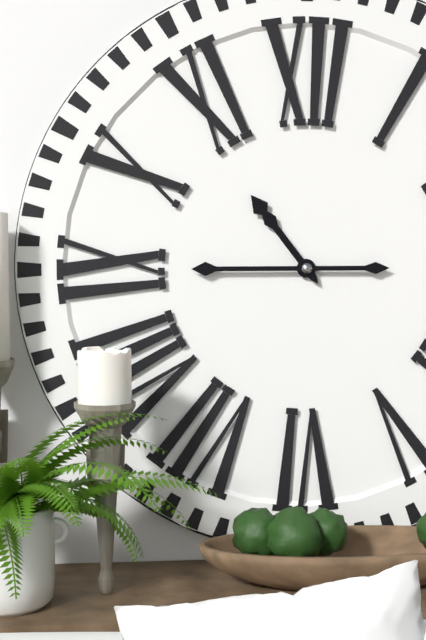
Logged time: {"hour": 10, "minute": 45}
